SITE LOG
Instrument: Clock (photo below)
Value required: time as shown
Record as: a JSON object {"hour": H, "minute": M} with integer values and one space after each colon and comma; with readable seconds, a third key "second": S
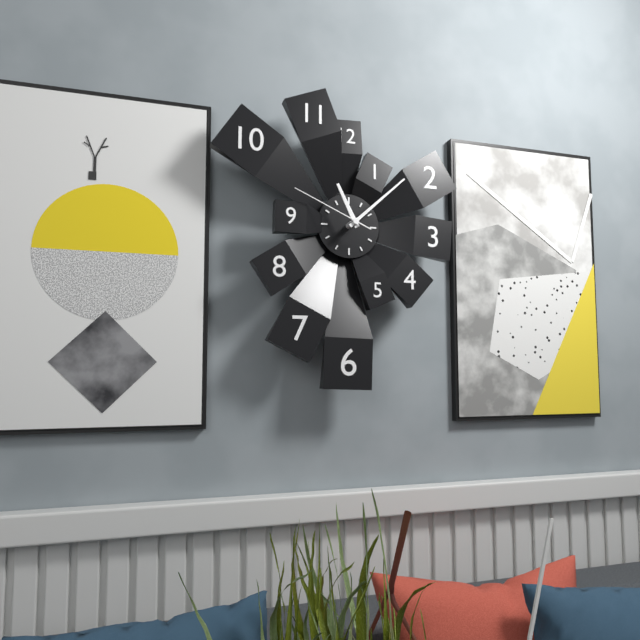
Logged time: {"hour": 11, "minute": 8, "second": 49}
